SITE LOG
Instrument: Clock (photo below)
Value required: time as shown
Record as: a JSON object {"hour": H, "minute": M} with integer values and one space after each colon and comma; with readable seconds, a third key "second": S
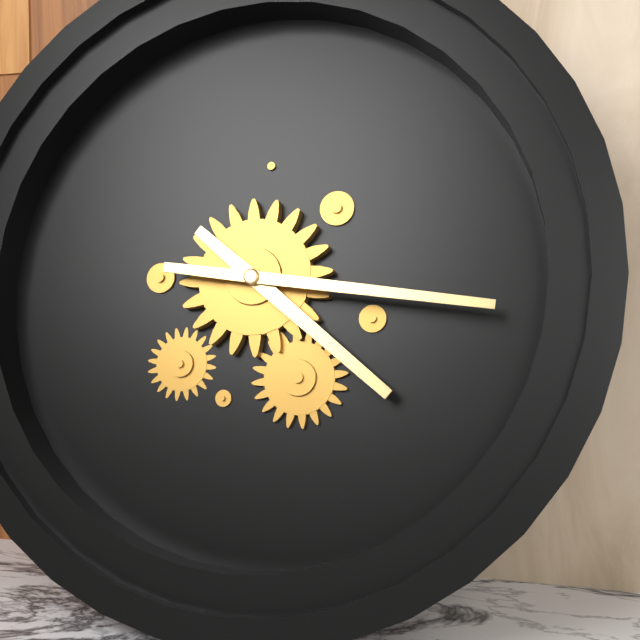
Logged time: {"hour": 4, "minute": 16}
